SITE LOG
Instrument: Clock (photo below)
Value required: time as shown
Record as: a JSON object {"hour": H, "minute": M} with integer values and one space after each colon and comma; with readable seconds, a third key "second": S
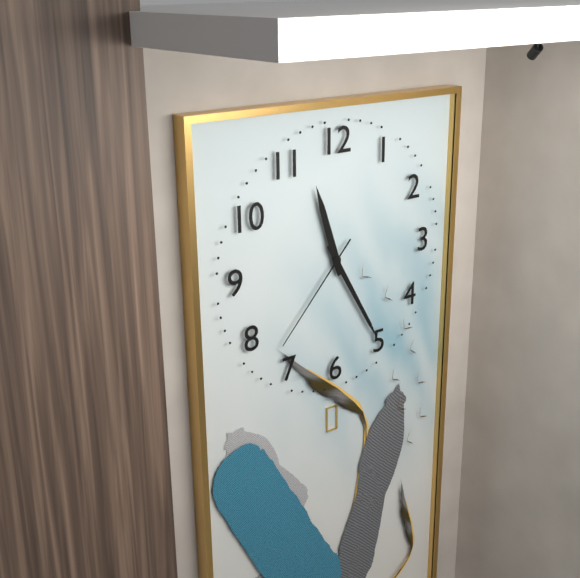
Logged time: {"hour": 11, "minute": 25, "second": 37}
